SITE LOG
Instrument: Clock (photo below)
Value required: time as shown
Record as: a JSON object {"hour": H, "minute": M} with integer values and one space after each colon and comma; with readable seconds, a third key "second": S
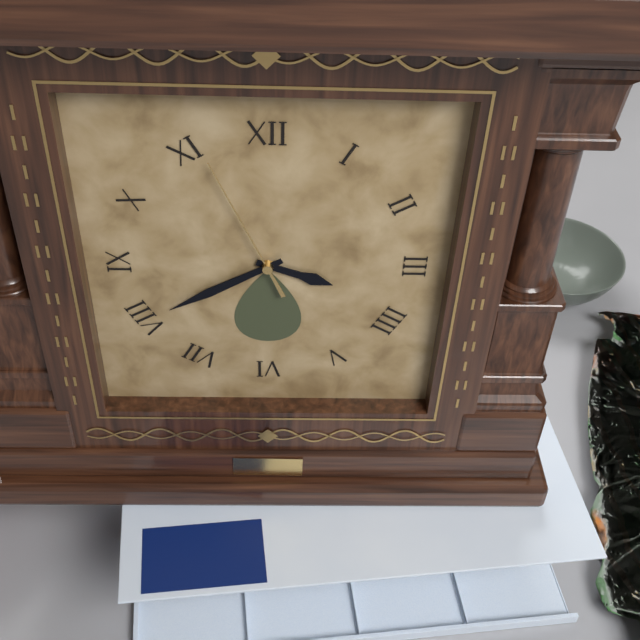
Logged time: {"hour": 3, "minute": 40, "second": 56}
